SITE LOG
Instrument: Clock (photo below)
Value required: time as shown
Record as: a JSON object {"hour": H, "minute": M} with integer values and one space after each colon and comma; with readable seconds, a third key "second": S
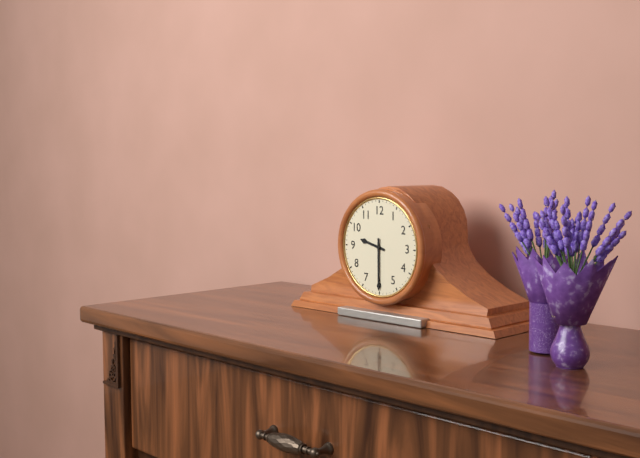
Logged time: {"hour": 9, "minute": 30}
